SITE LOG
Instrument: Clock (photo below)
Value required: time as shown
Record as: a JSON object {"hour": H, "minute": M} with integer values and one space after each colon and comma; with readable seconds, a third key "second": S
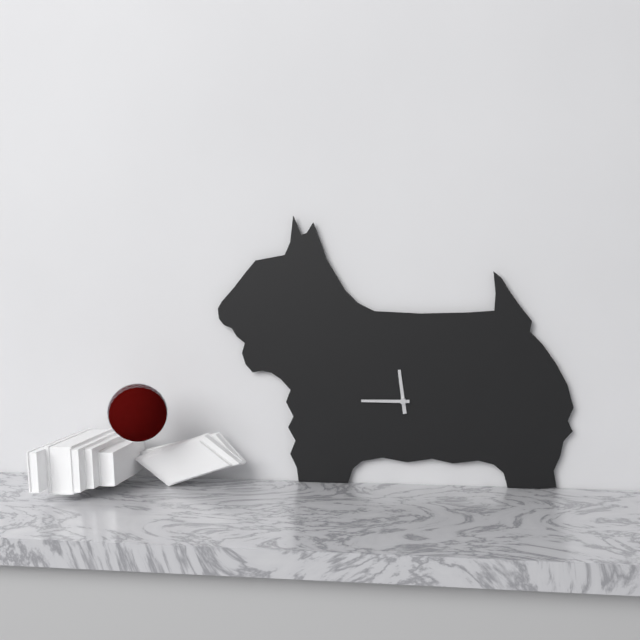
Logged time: {"hour": 11, "minute": 45}
